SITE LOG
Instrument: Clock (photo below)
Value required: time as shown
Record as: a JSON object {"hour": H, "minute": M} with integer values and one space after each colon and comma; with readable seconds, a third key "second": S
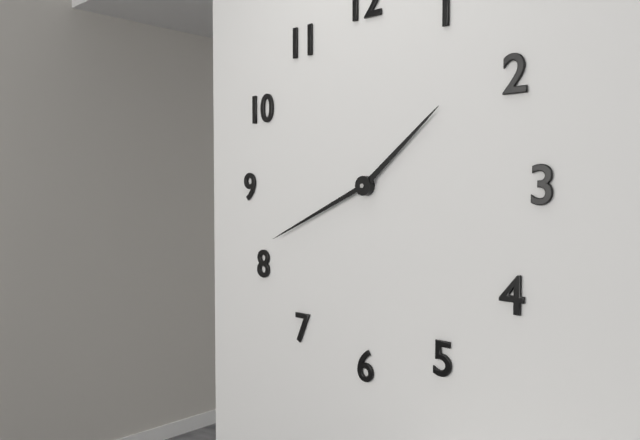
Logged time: {"hour": 1, "minute": 41}
